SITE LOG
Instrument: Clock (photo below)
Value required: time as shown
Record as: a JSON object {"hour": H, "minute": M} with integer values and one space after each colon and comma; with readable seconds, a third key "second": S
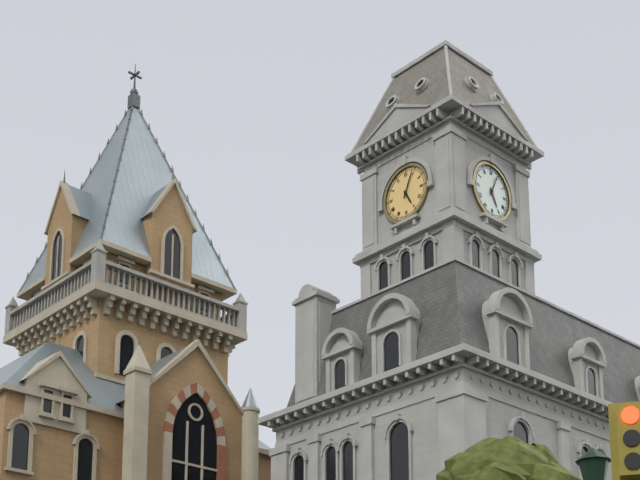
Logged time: {"hour": 5, "minute": 4}
